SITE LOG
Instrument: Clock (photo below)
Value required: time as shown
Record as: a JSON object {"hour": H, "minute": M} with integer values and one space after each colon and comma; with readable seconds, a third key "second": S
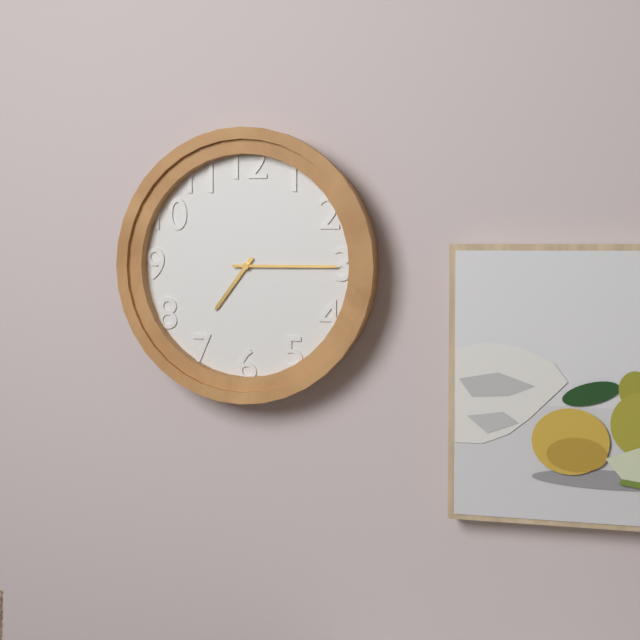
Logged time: {"hour": 7, "minute": 15}
